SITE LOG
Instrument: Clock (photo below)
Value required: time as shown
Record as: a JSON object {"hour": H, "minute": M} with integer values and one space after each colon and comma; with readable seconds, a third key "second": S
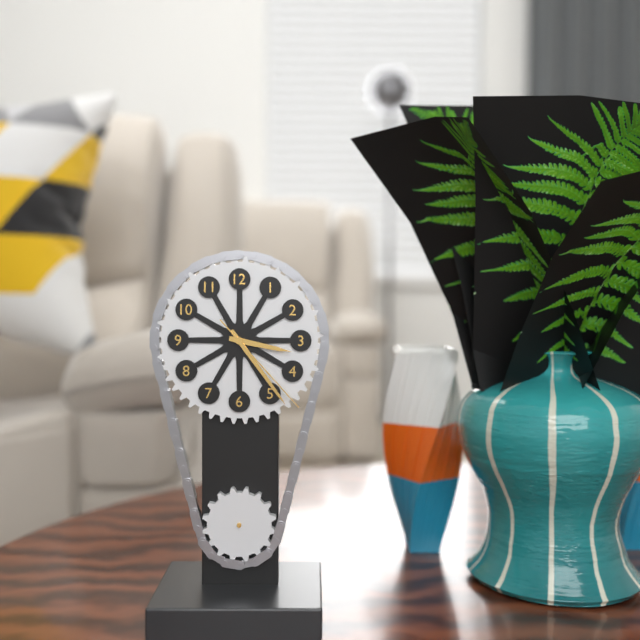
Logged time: {"hour": 3, "minute": 24, "second": 23}
